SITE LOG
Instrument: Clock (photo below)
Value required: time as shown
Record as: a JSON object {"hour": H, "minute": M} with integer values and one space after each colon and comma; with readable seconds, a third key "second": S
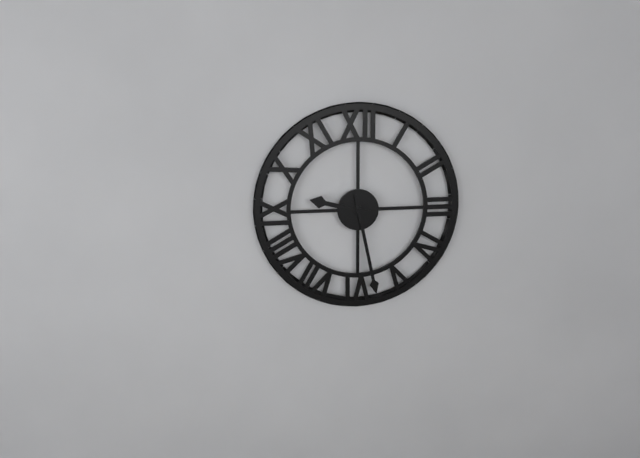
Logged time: {"hour": 9, "minute": 28}
